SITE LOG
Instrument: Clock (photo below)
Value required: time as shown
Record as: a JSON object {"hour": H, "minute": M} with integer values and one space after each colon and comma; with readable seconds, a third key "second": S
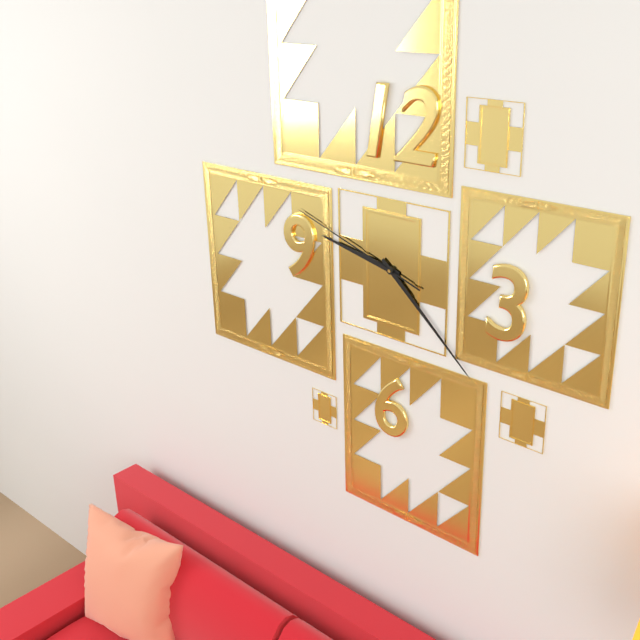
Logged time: {"hour": 9, "minute": 22, "second": 48}
